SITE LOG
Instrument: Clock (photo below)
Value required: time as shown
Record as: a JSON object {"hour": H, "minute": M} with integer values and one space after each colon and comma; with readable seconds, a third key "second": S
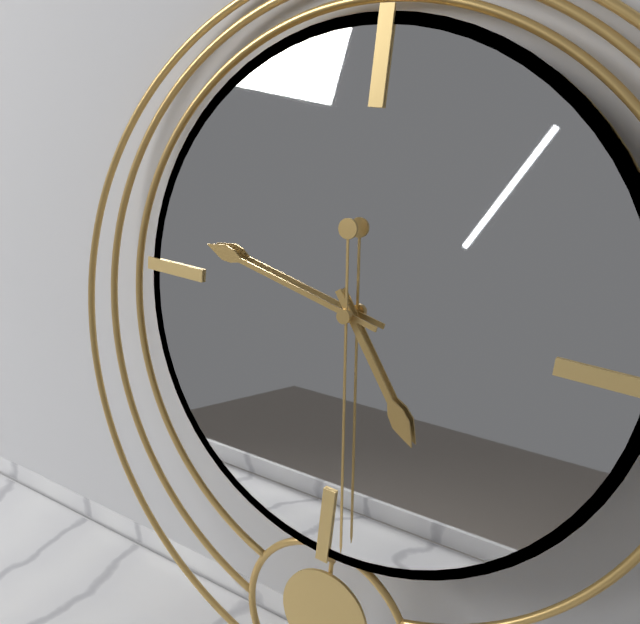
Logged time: {"hour": 4, "minute": 47, "second": 29}
